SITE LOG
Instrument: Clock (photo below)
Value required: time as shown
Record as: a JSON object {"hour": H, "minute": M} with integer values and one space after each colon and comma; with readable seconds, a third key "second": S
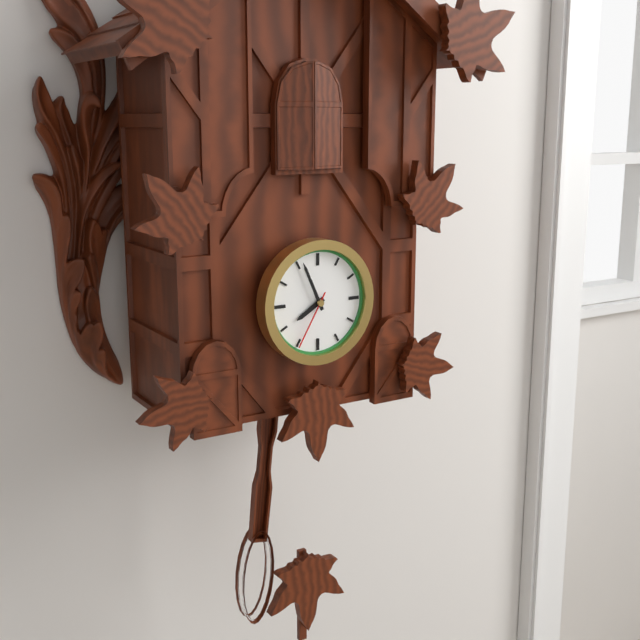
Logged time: {"hour": 7, "minute": 56, "second": 35}
